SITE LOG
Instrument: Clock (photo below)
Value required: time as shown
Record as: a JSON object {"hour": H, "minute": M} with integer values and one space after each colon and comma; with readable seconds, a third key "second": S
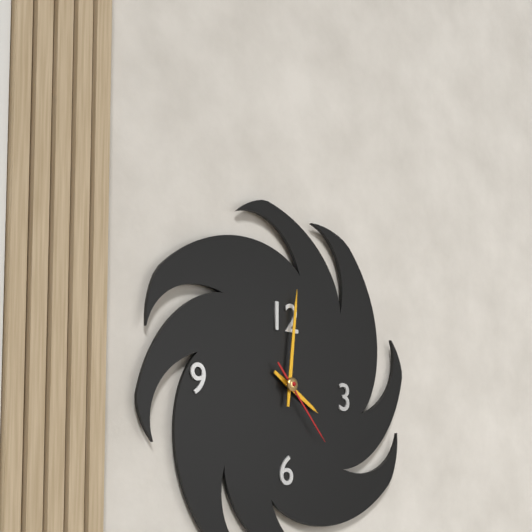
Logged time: {"hour": 4, "minute": 1, "second": 23}
